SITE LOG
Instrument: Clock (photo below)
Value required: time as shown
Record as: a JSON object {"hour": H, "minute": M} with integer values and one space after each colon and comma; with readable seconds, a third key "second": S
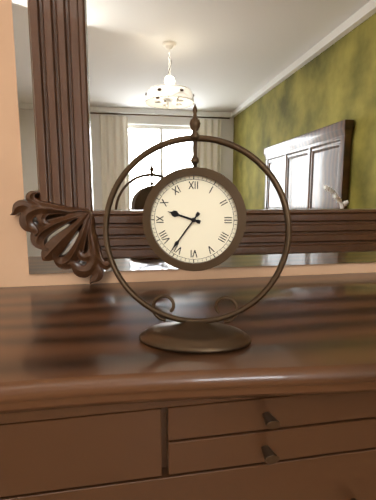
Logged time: {"hour": 9, "minute": 36}
